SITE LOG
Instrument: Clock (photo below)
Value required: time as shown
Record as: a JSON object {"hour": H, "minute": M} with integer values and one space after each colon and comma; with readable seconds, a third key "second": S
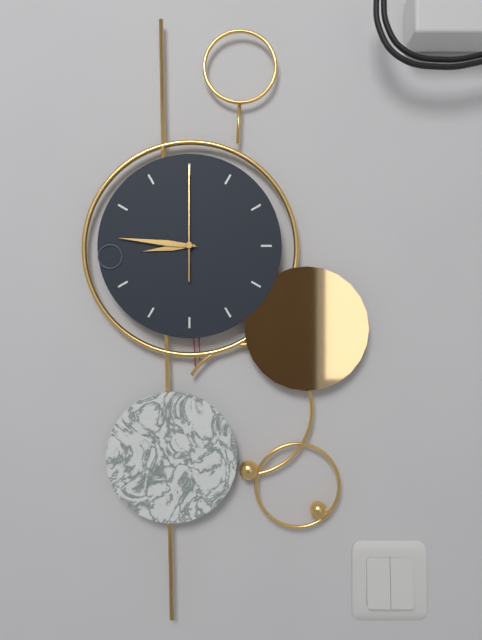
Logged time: {"hour": 8, "minute": 46, "second": 0}
